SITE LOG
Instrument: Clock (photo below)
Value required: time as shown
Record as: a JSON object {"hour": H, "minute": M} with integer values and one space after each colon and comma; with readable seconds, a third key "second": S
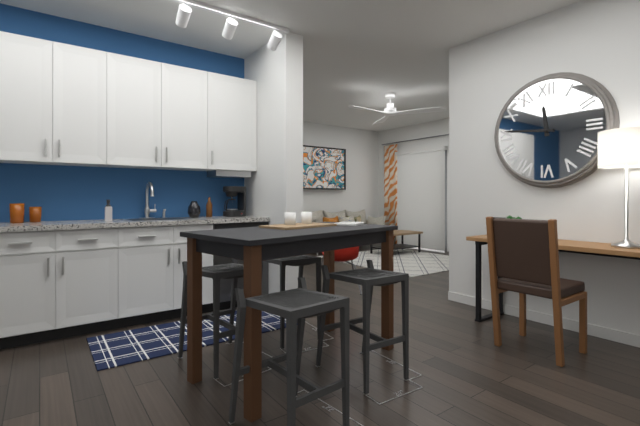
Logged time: {"hour": 11, "minute": 46}
